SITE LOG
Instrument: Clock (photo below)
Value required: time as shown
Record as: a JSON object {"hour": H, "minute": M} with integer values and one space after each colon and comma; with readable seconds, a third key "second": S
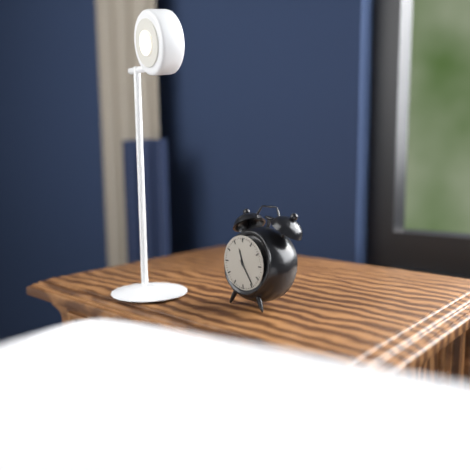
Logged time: {"hour": 11, "minute": 24}
